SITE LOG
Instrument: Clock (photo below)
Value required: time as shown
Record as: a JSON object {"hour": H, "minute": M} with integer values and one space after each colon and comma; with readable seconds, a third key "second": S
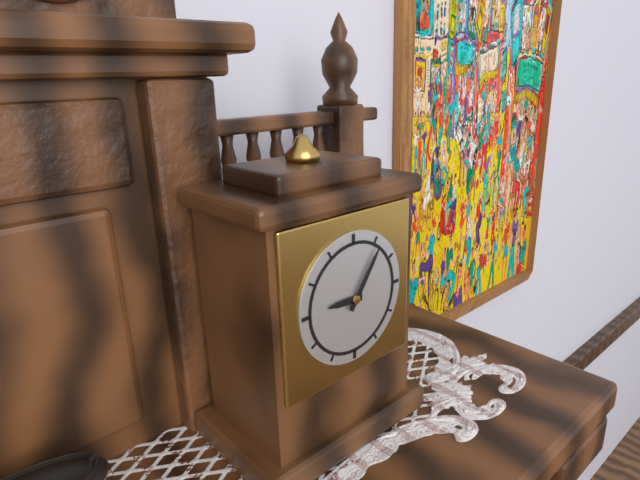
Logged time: {"hour": 9, "minute": 6}
